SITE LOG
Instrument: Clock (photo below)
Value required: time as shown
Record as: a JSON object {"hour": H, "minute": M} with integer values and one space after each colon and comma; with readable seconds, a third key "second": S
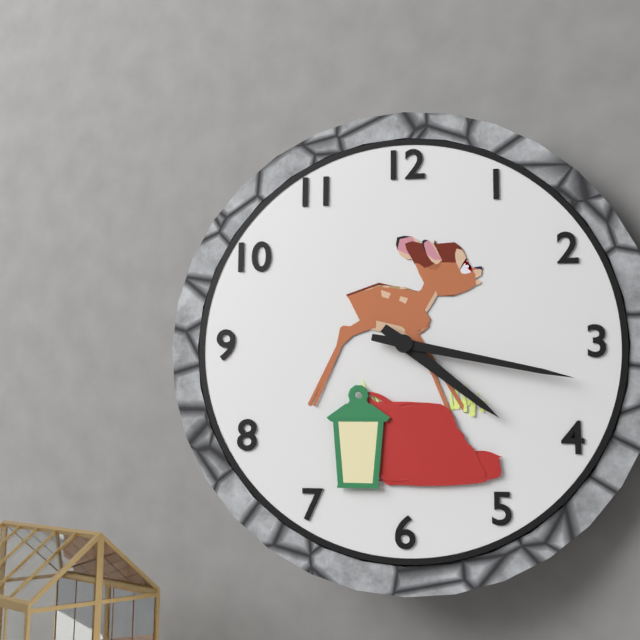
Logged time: {"hour": 4, "minute": 17}
